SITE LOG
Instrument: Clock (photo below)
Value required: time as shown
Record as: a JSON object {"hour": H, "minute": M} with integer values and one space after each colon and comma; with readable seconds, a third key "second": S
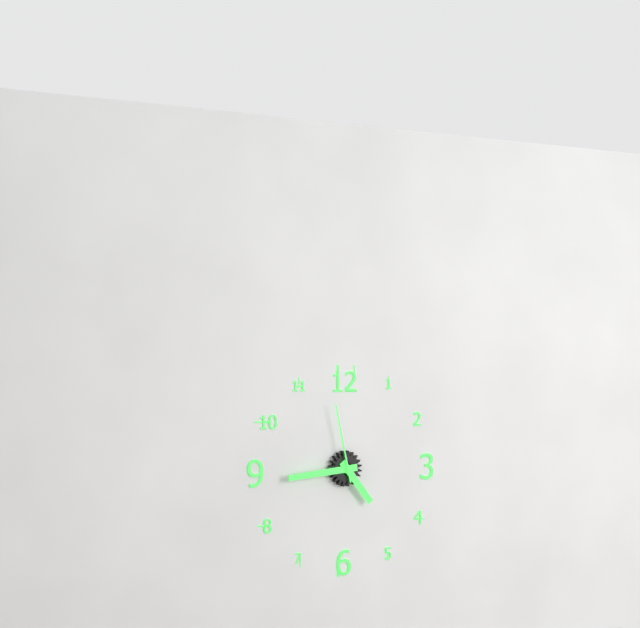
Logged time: {"hour": 4, "minute": 44, "second": 58}
